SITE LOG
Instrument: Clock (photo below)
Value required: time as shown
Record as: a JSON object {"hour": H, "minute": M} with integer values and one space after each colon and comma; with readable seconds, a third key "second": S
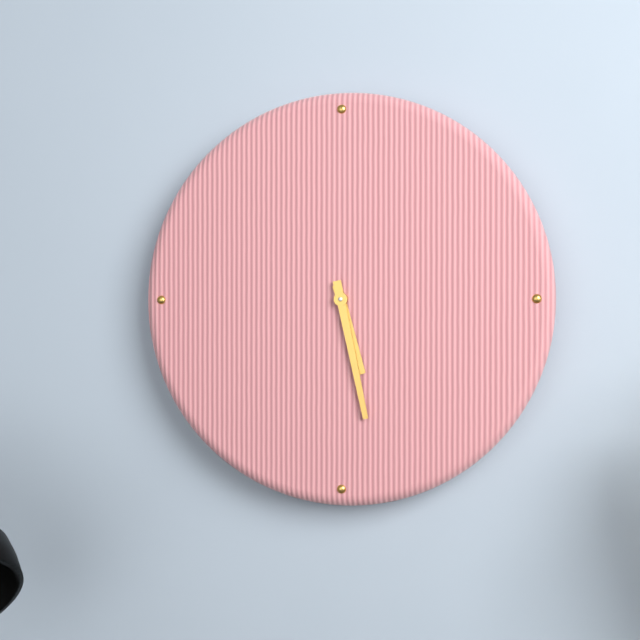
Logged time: {"hour": 5, "minute": 28}
